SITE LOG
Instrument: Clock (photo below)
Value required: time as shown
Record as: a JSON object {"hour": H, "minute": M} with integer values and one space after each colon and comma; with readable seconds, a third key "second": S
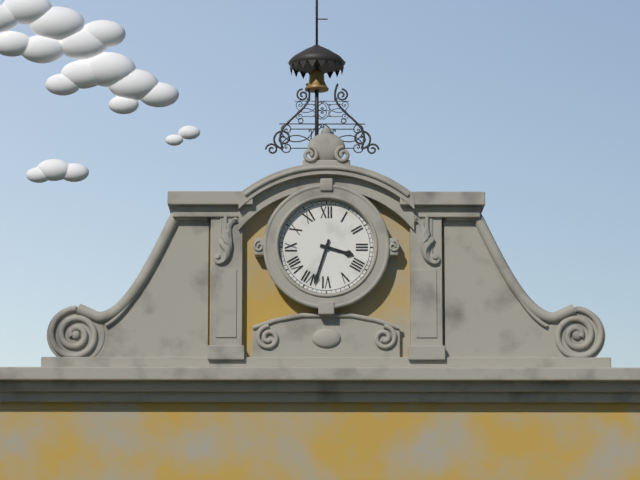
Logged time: {"hour": 3, "minute": 33}
